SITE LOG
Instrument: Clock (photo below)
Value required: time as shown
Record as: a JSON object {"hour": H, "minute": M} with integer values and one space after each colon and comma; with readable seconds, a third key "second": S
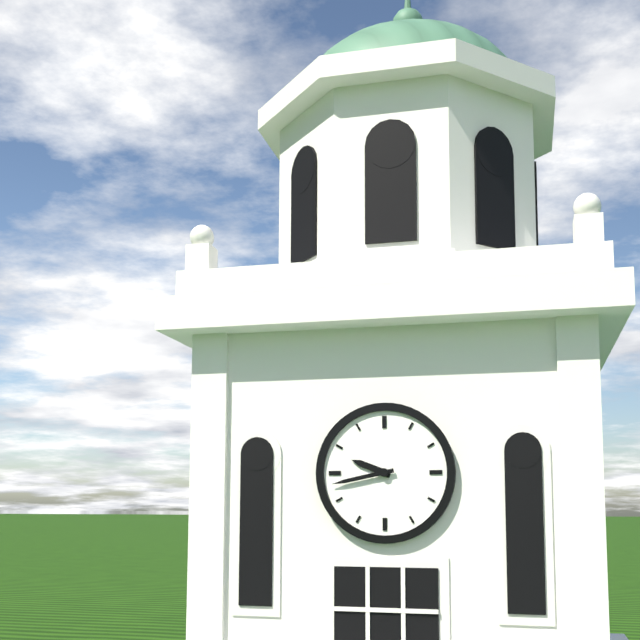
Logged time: {"hour": 9, "minute": 43}
